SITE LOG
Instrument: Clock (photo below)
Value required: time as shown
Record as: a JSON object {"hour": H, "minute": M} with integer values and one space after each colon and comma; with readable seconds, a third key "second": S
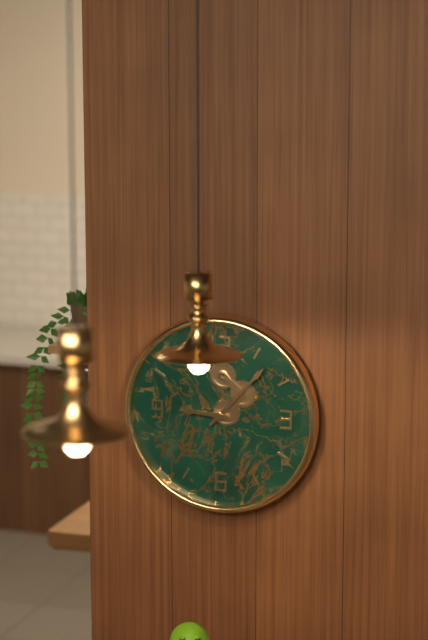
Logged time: {"hour": 9, "minute": 7}
